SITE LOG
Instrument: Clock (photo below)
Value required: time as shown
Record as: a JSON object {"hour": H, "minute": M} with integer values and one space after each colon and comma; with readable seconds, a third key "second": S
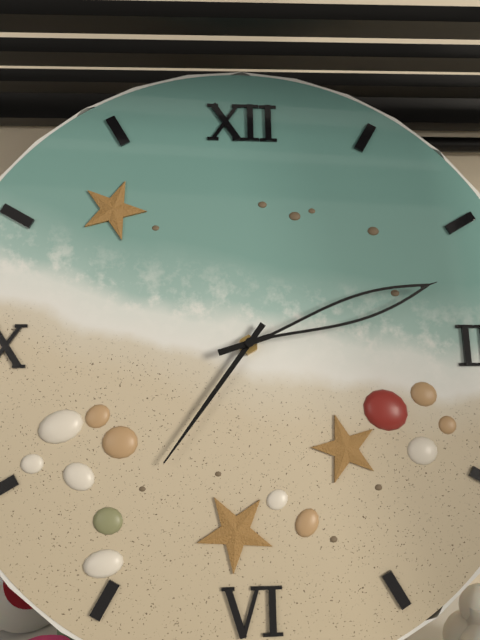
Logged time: {"hour": 7, "minute": 12}
